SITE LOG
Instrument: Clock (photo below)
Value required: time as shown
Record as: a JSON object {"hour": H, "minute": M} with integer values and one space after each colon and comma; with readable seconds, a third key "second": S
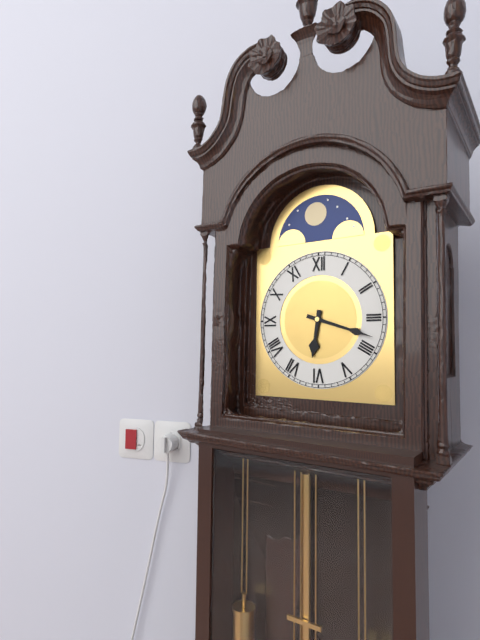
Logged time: {"hour": 6, "minute": 18}
